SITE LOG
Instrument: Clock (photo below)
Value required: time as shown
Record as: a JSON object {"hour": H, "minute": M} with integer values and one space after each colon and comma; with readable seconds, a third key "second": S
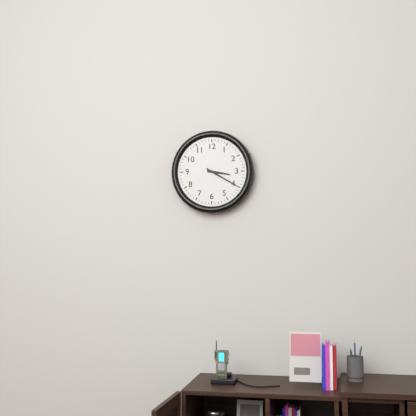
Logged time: {"hour": 3, "minute": 20}
